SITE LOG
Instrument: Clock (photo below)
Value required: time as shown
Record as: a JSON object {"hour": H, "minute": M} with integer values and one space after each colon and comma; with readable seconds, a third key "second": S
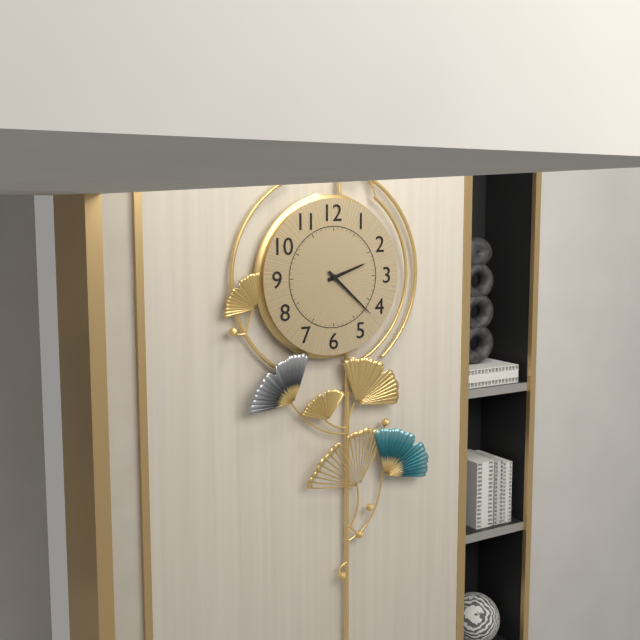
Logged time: {"hour": 2, "minute": 22}
